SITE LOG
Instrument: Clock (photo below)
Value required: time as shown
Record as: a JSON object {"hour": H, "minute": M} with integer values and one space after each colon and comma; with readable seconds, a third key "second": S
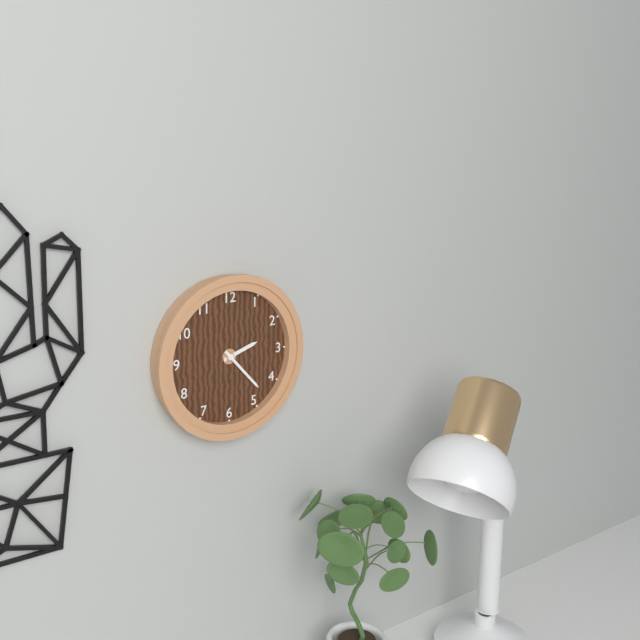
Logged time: {"hour": 2, "minute": 23}
